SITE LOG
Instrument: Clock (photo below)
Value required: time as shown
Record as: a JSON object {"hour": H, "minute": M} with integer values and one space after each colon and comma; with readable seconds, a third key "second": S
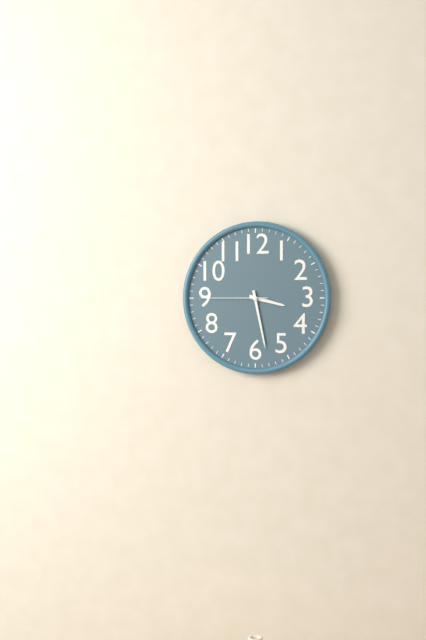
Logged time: {"hour": 3, "minute": 28, "second": 45}
